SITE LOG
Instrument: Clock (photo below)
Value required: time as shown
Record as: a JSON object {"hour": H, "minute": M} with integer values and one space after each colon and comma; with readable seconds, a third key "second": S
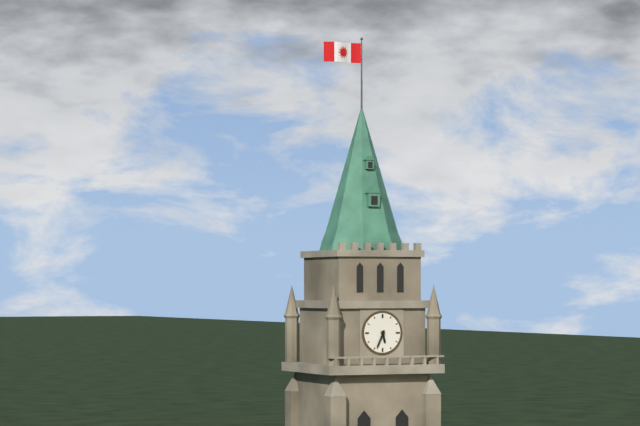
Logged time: {"hour": 5, "minute": 34}
